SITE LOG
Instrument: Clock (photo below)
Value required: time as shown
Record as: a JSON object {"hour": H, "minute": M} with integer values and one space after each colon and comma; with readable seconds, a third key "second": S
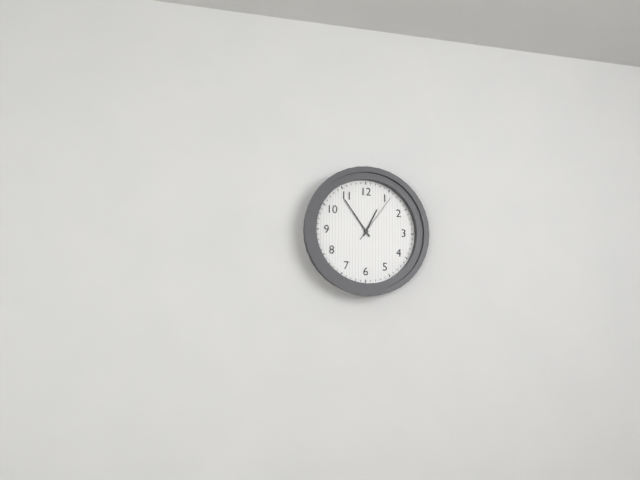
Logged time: {"hour": 12, "minute": 54, "second": 6}
